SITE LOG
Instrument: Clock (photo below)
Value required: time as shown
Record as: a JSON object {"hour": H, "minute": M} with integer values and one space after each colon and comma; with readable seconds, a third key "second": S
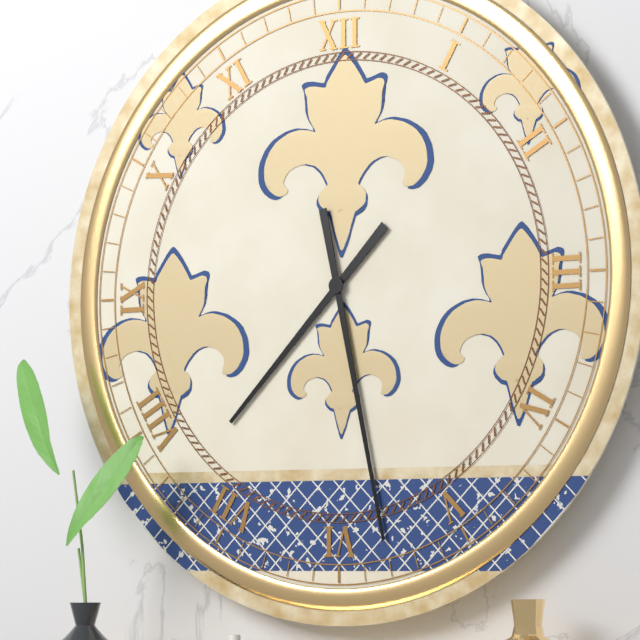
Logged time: {"hour": 7, "minute": 28}
